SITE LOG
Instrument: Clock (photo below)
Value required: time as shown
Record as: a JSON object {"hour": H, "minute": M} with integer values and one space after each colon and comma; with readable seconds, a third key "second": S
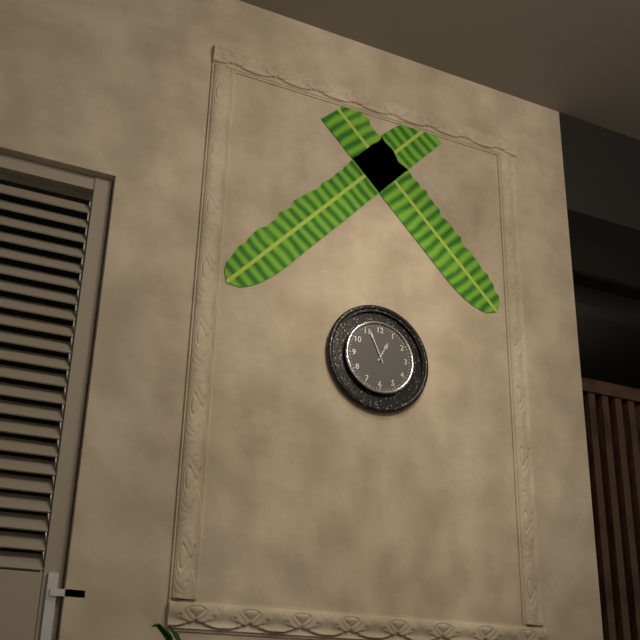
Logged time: {"hour": 12, "minute": 56}
